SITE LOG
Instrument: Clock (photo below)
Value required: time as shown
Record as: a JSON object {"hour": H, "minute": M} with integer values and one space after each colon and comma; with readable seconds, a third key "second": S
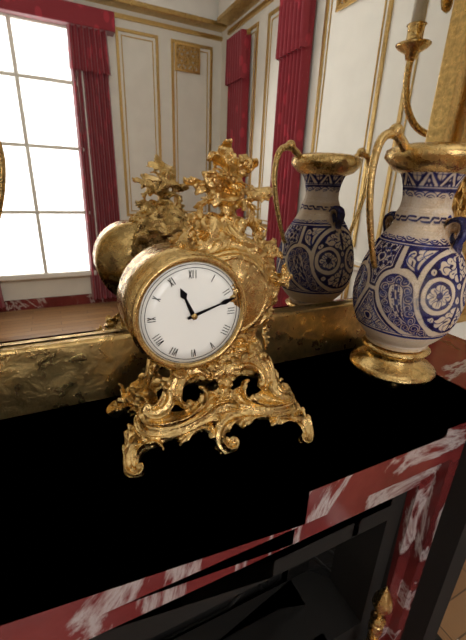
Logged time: {"hour": 11, "minute": 12}
